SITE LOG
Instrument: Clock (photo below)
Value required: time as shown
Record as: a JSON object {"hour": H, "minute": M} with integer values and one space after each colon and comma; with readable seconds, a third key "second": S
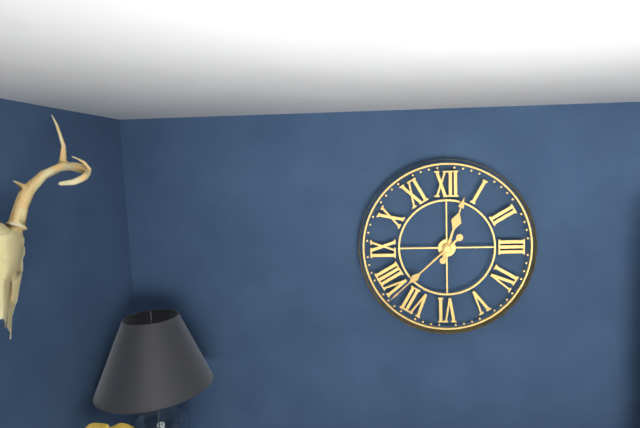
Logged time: {"hour": 12, "minute": 38}
